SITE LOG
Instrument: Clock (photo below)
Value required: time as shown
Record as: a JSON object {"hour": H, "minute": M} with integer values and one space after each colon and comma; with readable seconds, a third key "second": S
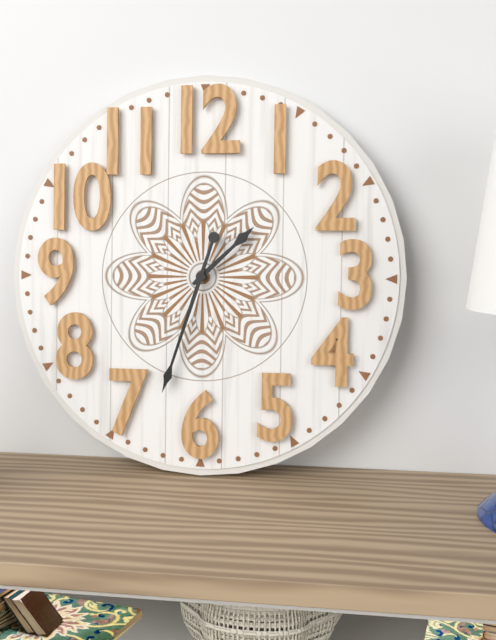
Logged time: {"hour": 1, "minute": 33}
